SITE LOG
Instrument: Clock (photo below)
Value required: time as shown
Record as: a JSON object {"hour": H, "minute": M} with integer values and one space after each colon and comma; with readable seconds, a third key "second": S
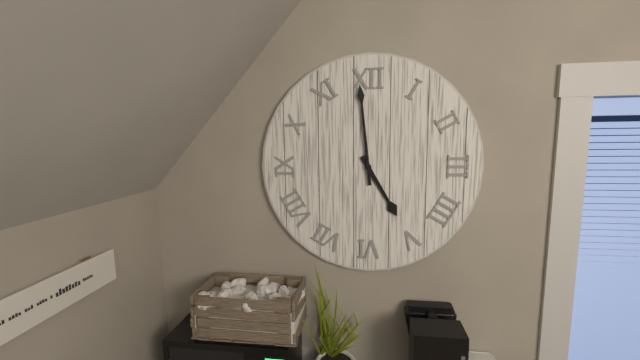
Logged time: {"hour": 4, "minute": 59}
